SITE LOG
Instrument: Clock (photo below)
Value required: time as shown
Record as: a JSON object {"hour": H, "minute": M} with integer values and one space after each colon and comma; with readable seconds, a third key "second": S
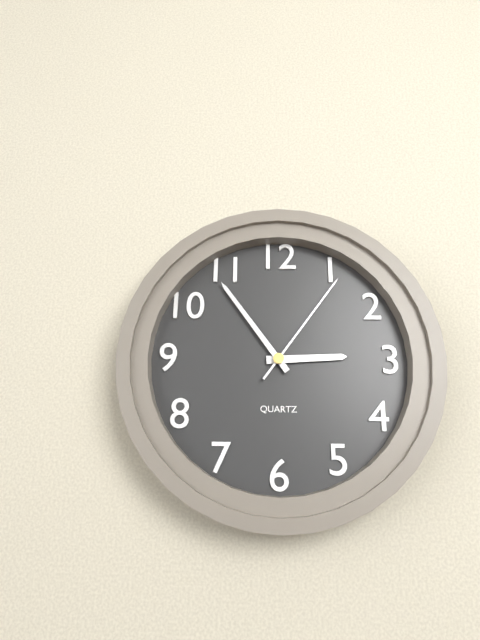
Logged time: {"hour": 2, "minute": 54, "second": 6}
